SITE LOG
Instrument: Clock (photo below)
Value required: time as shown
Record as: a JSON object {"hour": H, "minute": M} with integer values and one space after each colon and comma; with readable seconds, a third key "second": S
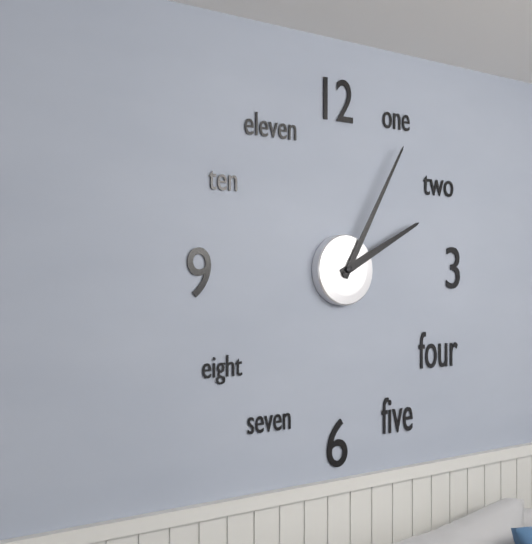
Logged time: {"hour": 2, "minute": 5}
